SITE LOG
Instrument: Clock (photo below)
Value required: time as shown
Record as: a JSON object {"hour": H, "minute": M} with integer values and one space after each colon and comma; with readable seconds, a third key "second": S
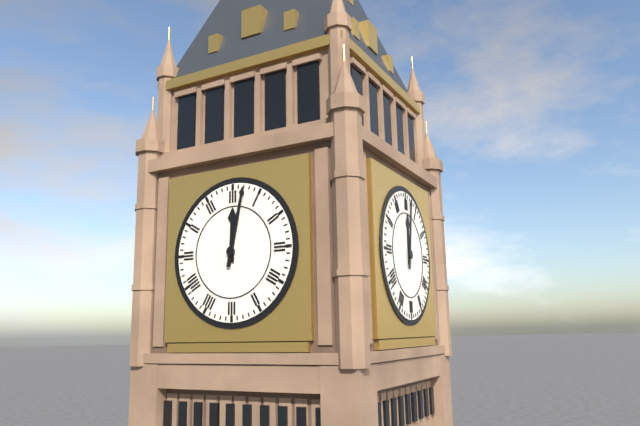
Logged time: {"hour": 12, "minute": 2}
